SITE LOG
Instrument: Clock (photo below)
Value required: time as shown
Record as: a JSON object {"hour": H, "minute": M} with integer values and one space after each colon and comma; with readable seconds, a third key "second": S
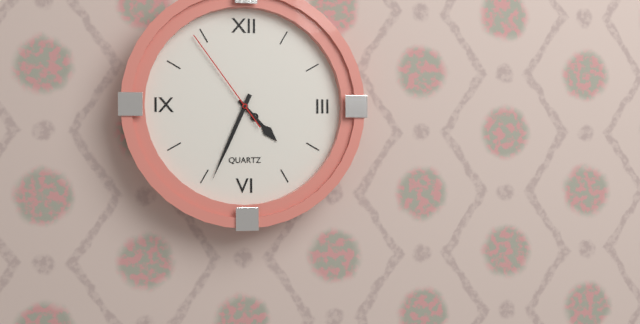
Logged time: {"hour": 4, "minute": 34, "second": 54}
